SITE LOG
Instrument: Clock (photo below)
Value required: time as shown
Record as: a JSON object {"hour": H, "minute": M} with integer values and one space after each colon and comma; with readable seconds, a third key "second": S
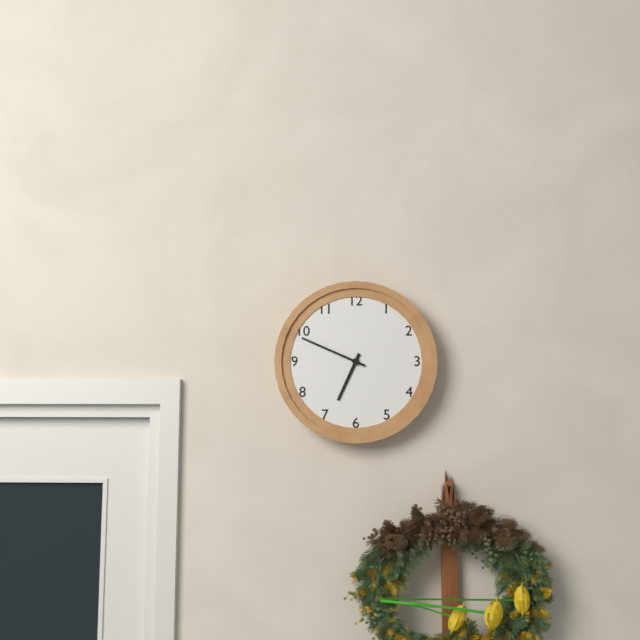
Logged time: {"hour": 6, "minute": 49}
